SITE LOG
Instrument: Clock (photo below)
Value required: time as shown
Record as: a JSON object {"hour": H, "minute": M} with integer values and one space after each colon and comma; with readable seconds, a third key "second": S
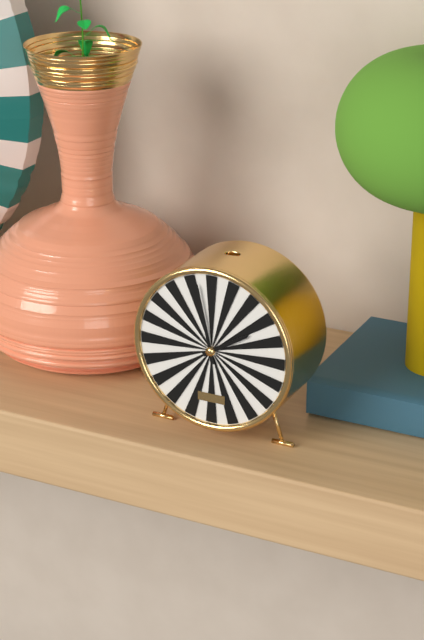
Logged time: {"hour": 1, "minute": 58}
